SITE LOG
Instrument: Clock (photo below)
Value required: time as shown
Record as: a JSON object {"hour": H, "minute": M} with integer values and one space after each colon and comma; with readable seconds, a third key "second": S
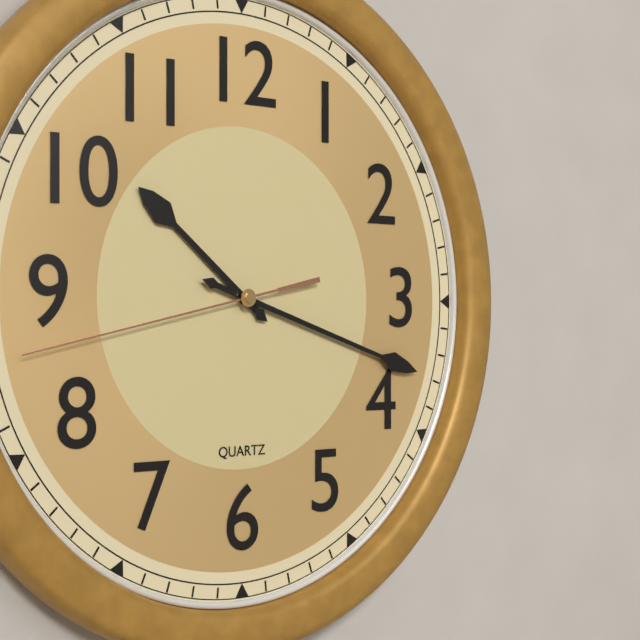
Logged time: {"hour": 10, "minute": 18, "second": 43}
